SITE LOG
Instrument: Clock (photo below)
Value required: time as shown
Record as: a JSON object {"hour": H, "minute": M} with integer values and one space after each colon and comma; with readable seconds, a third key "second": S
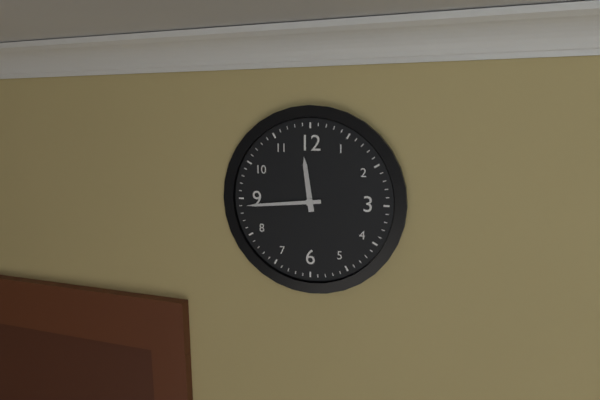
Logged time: {"hour": 11, "minute": 44}
